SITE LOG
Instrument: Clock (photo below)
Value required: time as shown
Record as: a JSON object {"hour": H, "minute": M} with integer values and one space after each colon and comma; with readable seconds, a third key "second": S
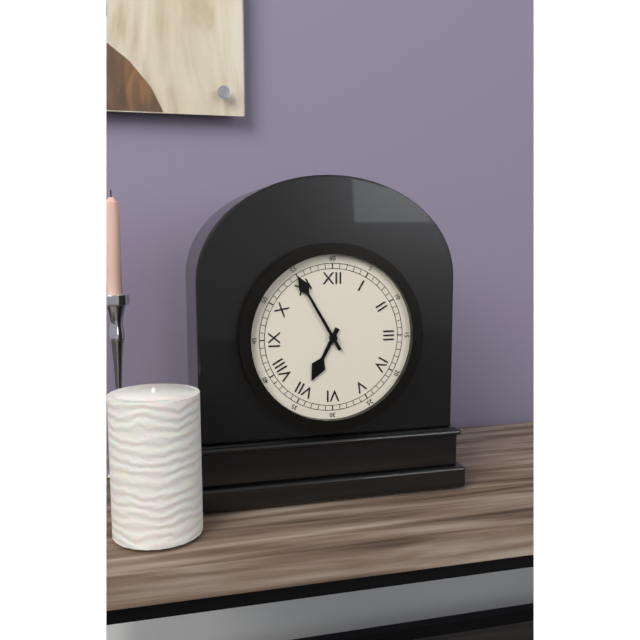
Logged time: {"hour": 6, "minute": 55}
